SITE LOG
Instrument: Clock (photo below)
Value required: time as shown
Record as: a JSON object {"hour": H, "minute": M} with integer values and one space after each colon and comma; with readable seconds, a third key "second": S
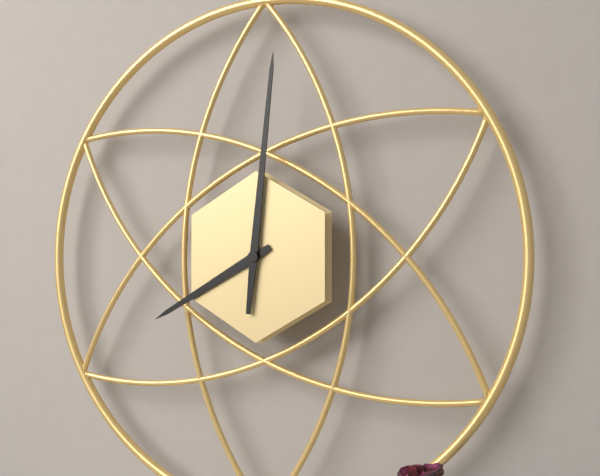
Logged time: {"hour": 8, "minute": 1}
